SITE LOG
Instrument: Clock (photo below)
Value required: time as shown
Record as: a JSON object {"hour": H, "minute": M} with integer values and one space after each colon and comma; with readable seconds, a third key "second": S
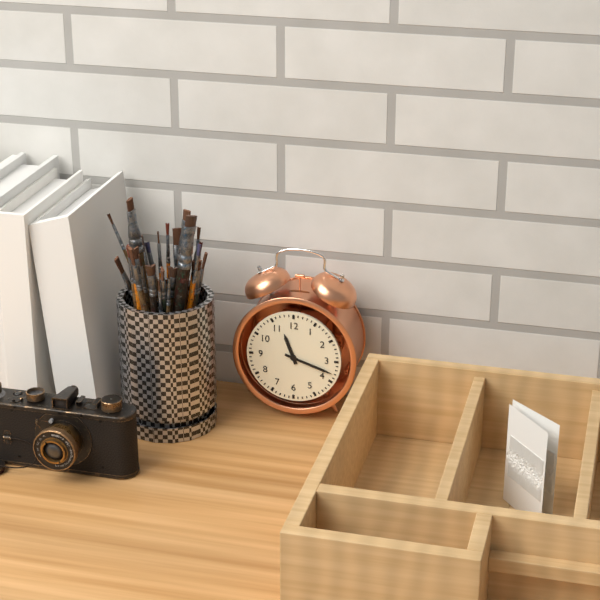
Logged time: {"hour": 11, "minute": 18}
